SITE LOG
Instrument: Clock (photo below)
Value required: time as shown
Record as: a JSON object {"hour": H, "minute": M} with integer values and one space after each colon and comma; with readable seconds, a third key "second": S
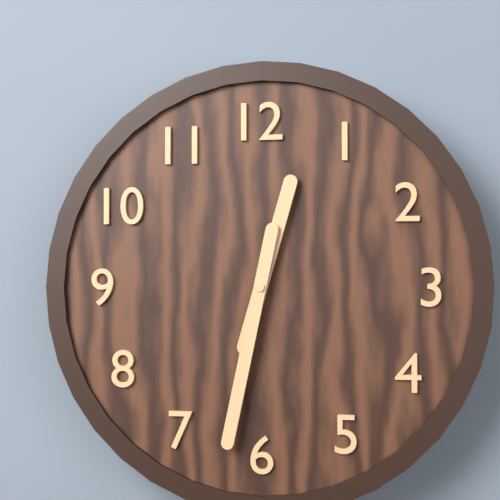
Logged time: {"hour": 12, "minute": 32}
